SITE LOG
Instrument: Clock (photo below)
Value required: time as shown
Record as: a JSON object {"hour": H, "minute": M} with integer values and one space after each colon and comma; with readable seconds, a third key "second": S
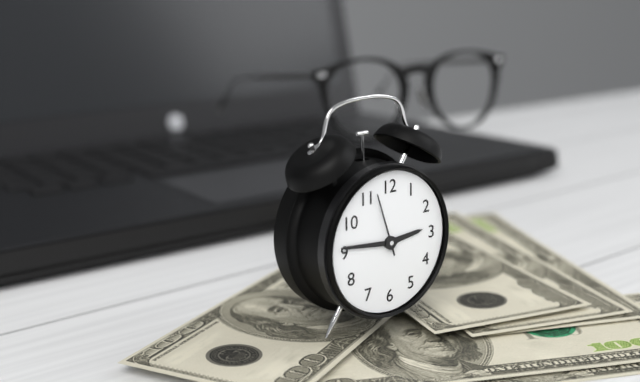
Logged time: {"hour": 2, "minute": 46, "second": 57}
